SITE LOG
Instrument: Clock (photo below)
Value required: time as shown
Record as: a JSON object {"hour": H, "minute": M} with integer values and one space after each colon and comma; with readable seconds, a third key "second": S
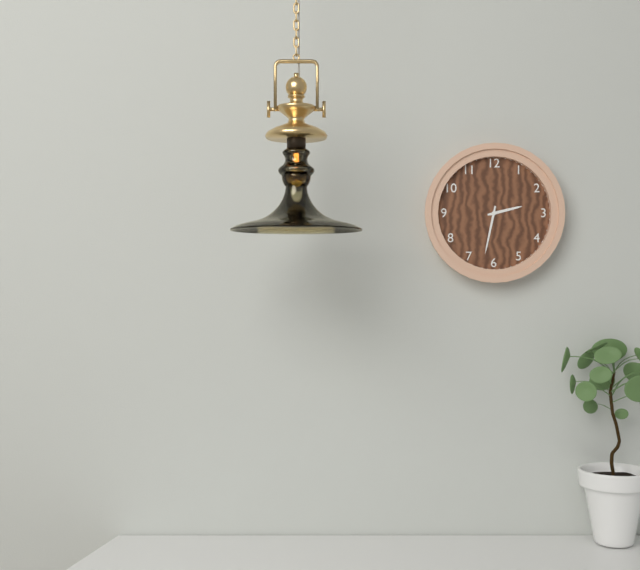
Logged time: {"hour": 2, "minute": 32}
